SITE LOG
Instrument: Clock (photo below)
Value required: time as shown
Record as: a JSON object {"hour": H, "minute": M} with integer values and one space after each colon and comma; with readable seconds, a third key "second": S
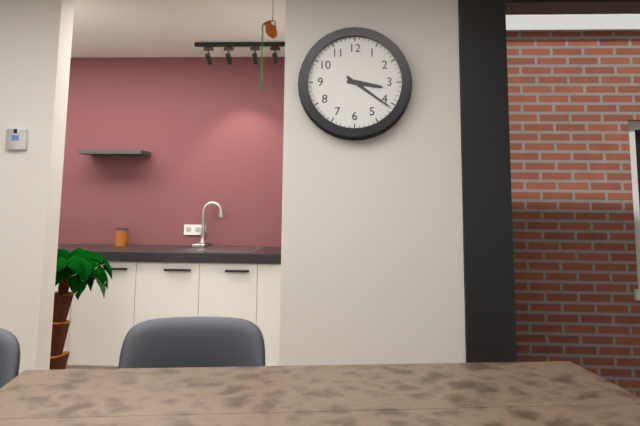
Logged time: {"hour": 3, "minute": 21}
